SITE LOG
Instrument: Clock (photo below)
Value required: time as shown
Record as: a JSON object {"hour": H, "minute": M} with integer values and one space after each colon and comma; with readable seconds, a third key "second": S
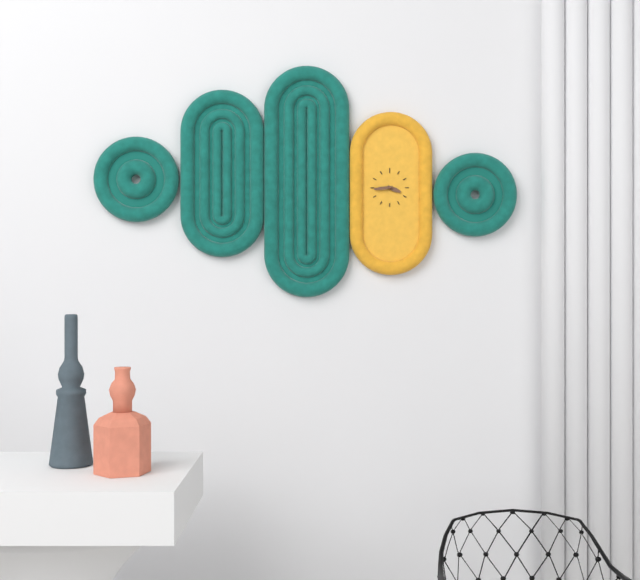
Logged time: {"hour": 3, "minute": 44}
